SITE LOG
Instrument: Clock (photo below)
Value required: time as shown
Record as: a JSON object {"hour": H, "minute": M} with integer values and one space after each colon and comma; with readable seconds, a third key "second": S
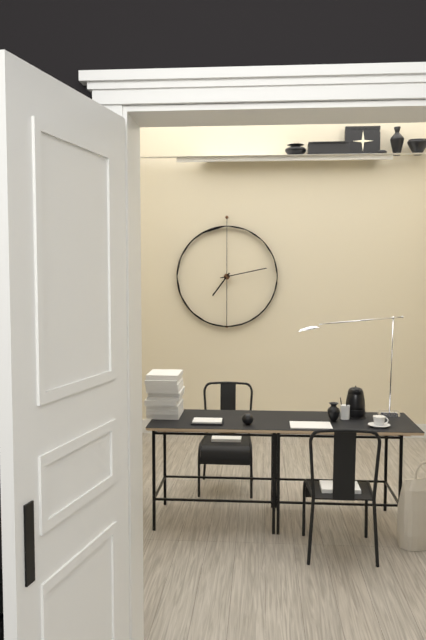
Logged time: {"hour": 7, "minute": 13}
